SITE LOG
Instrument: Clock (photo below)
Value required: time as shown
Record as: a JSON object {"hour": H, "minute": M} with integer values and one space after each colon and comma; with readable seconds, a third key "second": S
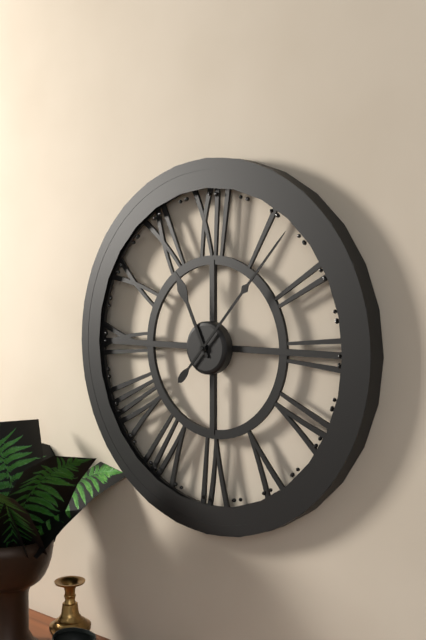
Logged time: {"hour": 11, "minute": 7}
